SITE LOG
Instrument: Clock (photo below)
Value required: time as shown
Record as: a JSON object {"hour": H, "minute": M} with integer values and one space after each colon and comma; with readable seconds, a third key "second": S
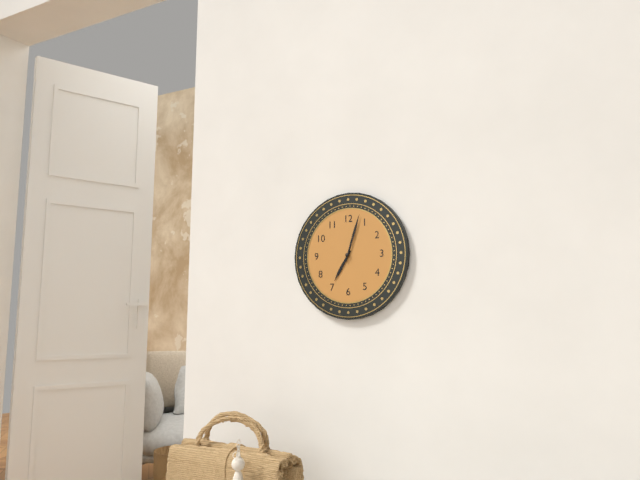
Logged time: {"hour": 7, "minute": 3}
